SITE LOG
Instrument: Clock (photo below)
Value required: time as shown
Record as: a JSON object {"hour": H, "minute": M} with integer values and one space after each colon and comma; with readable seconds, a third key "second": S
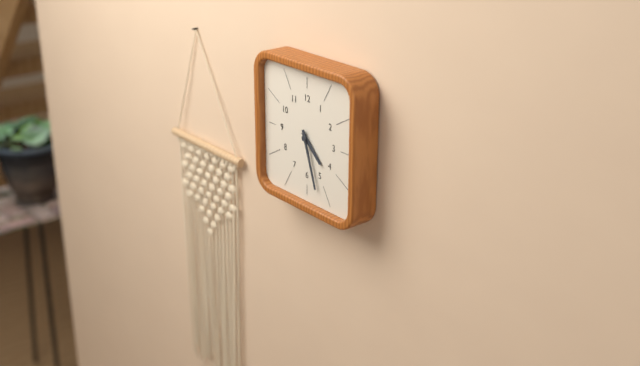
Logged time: {"hour": 4, "minute": 27}
